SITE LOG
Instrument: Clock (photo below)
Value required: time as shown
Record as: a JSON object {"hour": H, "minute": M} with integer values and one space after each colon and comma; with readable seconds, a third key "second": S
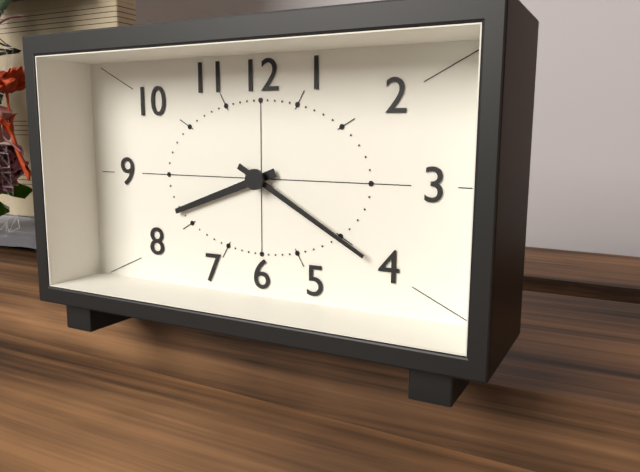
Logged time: {"hour": 8, "minute": 20}
